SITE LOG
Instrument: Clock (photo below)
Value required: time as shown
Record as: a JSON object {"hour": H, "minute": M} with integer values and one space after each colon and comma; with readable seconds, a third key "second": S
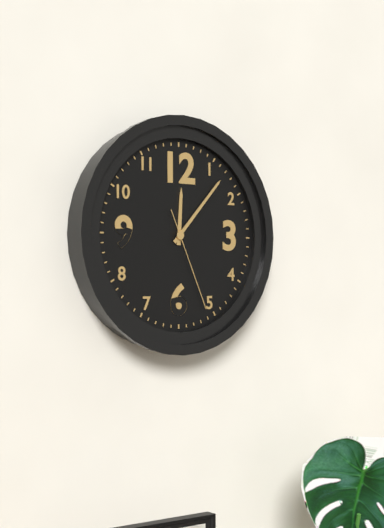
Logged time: {"hour": 12, "minute": 7, "second": 26}
